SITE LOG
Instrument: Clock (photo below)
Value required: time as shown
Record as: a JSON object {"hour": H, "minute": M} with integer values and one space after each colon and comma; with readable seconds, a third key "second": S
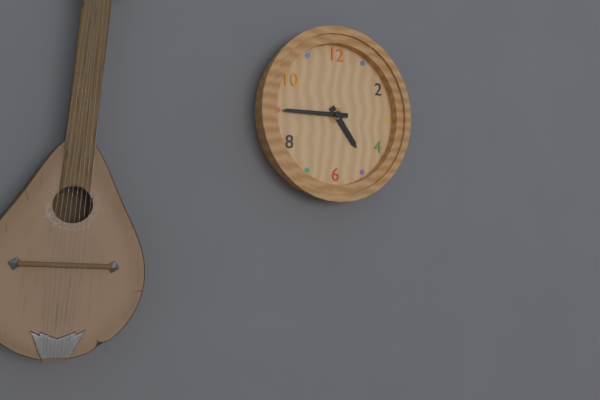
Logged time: {"hour": 4, "minute": 45}
